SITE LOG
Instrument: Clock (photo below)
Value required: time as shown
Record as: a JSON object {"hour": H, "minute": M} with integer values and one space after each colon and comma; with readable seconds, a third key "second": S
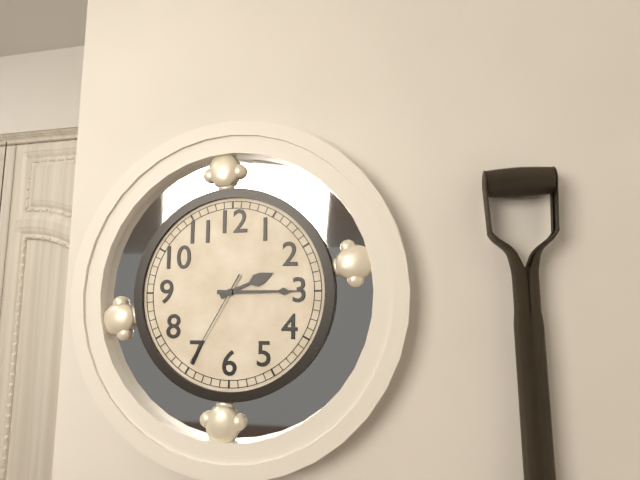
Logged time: {"hour": 2, "minute": 15, "second": 35}
